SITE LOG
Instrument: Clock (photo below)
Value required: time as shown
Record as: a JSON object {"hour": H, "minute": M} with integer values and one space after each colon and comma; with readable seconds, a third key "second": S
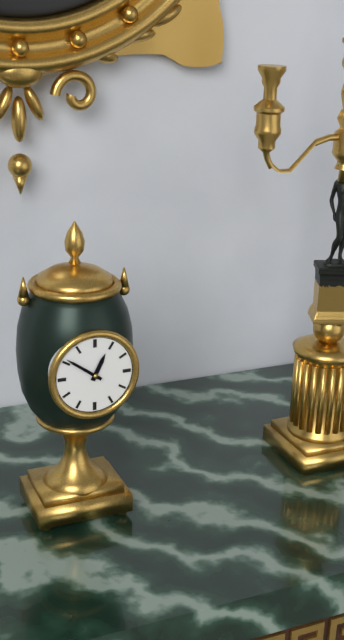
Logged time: {"hour": 12, "minute": 51}
